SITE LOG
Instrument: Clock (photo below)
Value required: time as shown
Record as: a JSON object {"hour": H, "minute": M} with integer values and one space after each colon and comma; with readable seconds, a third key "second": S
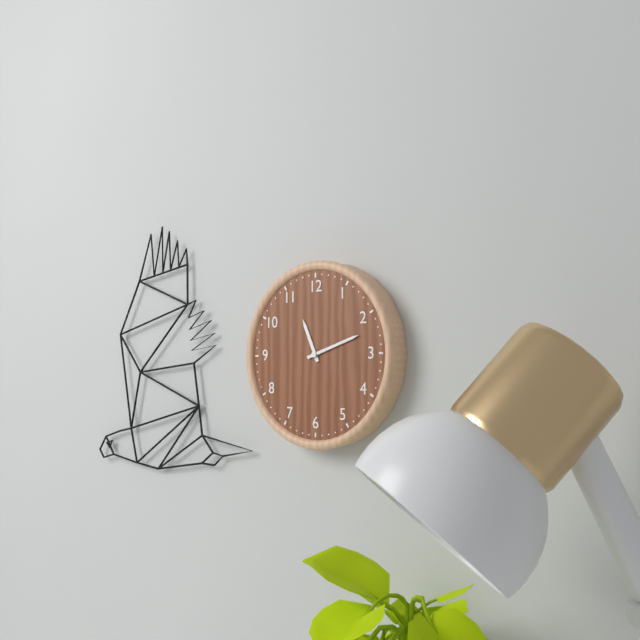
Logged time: {"hour": 11, "minute": 12}
